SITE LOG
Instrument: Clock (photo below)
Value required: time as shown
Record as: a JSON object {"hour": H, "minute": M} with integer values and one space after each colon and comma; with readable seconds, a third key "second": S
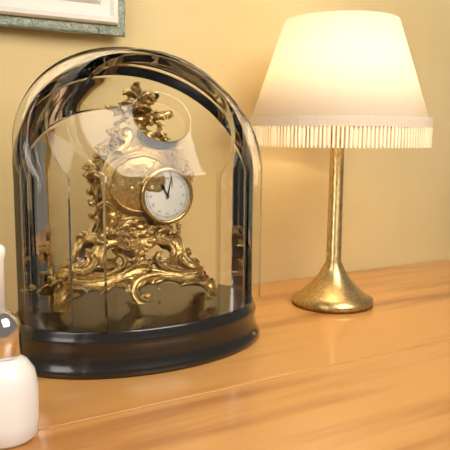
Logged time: {"hour": 11, "minute": 2}
